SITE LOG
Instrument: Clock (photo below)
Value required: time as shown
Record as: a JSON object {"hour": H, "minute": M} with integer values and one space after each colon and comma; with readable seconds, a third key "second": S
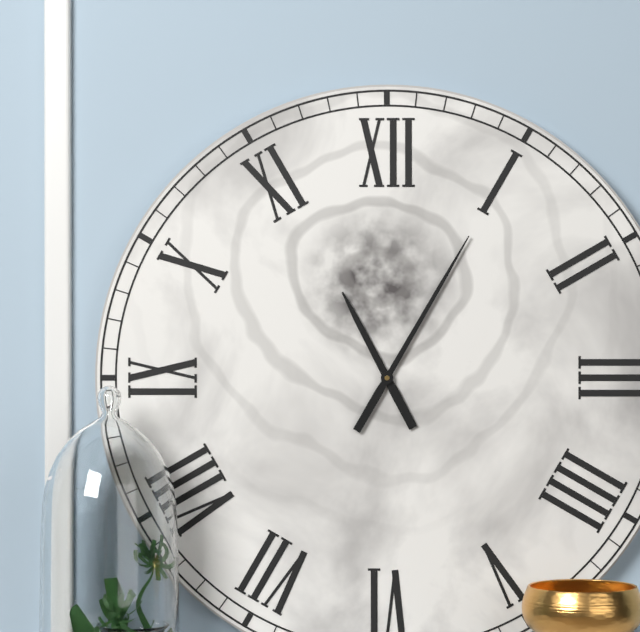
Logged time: {"hour": 11, "minute": 5}
